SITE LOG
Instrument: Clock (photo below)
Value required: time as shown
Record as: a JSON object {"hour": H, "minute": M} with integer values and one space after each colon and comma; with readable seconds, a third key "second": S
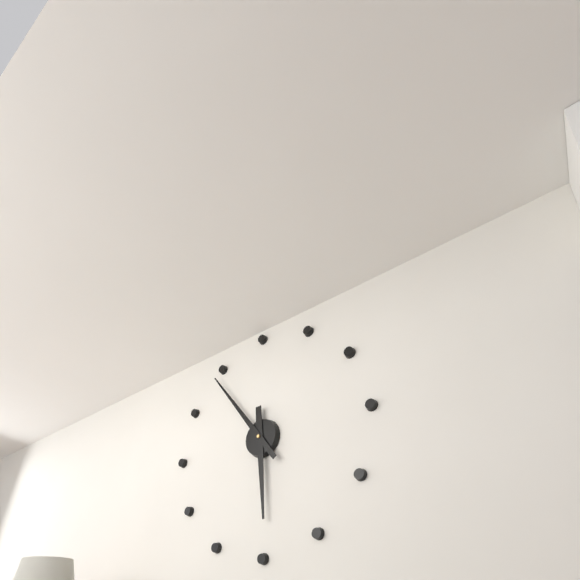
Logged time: {"hour": 5, "minute": 54}
